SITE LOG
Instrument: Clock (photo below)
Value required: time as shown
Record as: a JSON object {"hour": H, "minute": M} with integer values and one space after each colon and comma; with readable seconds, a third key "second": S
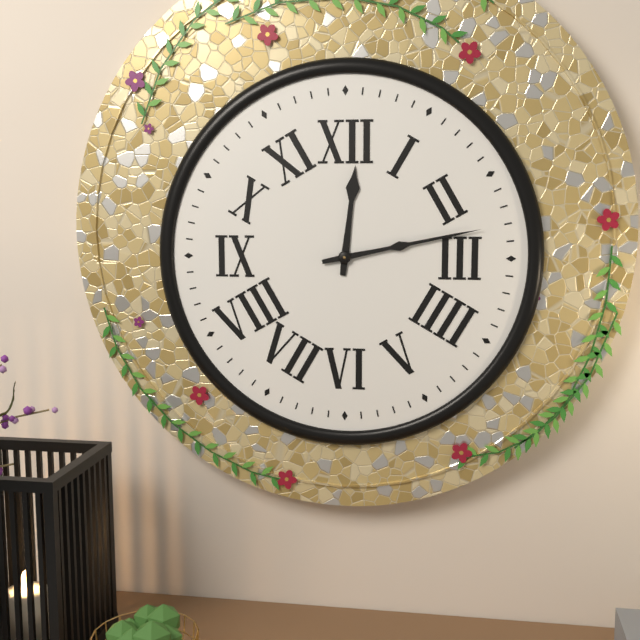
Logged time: {"hour": 12, "minute": 13}
